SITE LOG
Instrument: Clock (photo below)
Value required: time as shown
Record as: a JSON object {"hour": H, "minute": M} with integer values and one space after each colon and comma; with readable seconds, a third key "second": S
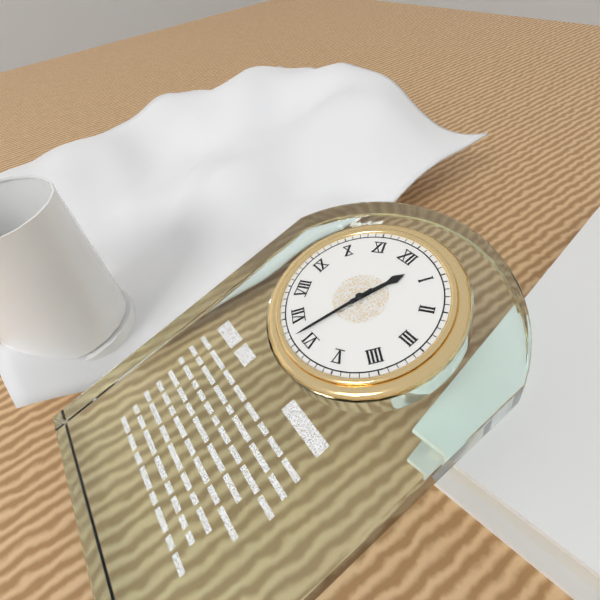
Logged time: {"hour": 12, "minute": 32}
